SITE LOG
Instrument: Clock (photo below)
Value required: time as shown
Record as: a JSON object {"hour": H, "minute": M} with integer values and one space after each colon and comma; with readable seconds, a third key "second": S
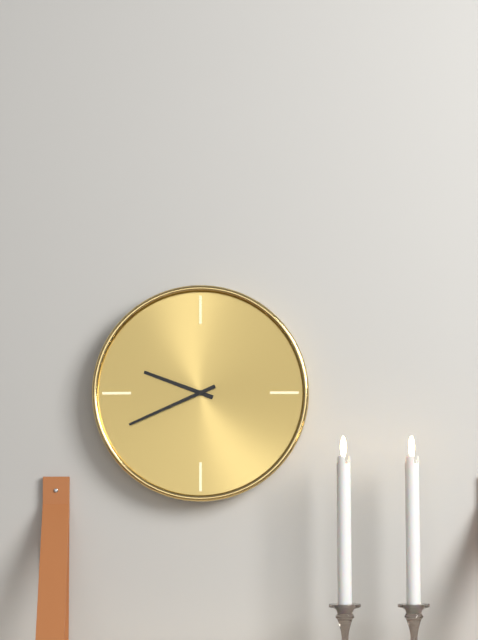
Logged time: {"hour": 9, "minute": 41}
